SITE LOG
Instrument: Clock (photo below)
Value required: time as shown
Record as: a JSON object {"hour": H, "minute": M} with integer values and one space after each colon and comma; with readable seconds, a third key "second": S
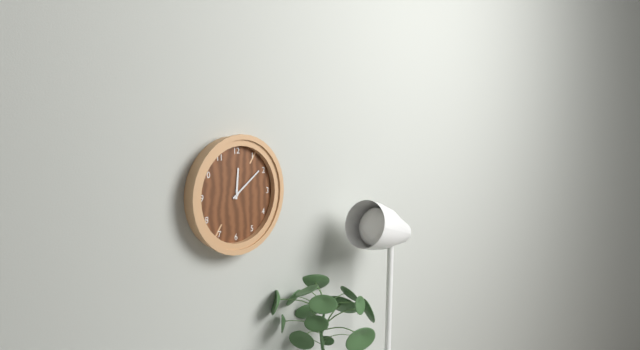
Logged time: {"hour": 12, "minute": 9}
